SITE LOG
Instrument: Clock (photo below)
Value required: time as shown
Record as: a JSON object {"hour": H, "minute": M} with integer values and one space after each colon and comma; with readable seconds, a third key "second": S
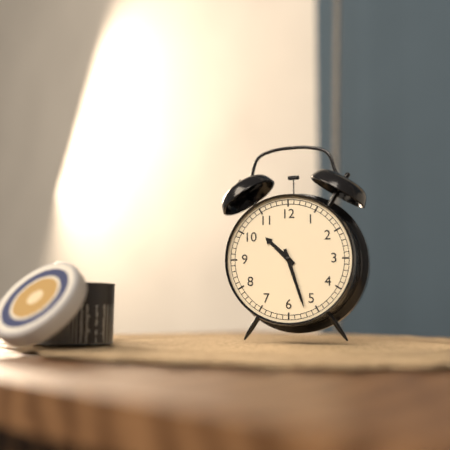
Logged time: {"hour": 10, "minute": 27}
